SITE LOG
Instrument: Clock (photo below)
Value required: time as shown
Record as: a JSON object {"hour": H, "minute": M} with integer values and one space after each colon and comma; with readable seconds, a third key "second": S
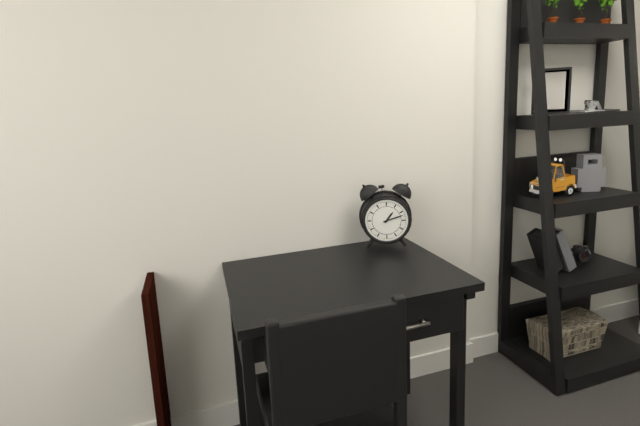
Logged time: {"hour": 1, "minute": 12}
